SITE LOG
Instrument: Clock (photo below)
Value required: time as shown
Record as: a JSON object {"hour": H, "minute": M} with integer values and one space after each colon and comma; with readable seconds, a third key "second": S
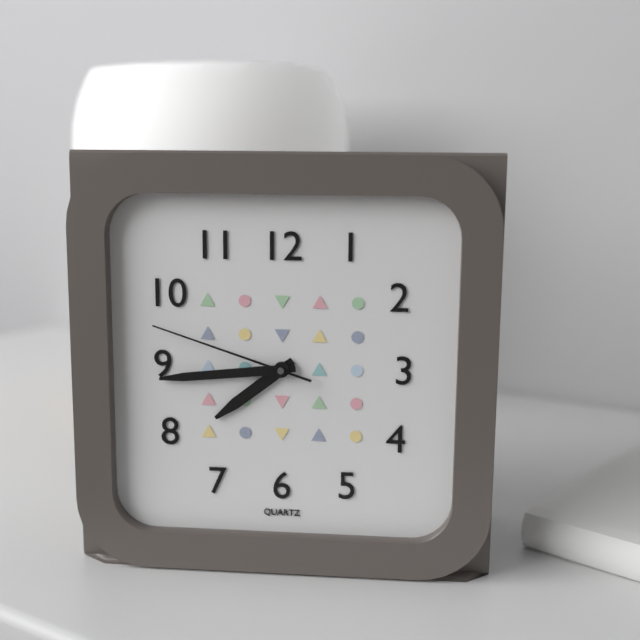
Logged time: {"hour": 7, "minute": 44, "second": 48}
